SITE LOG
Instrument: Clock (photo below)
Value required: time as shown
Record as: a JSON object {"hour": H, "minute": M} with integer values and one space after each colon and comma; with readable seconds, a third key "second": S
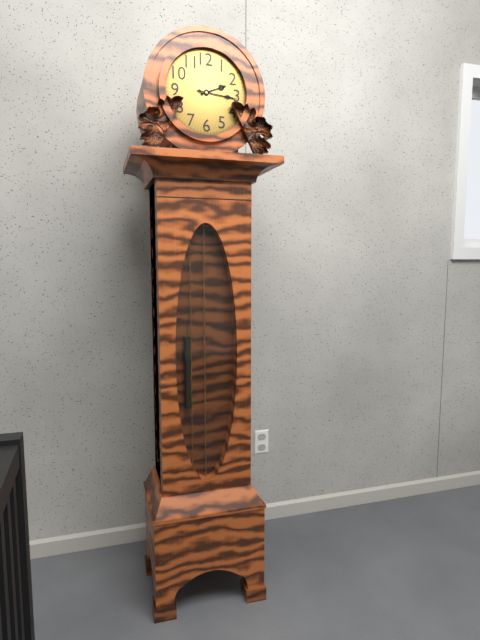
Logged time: {"hour": 2, "minute": 16}
